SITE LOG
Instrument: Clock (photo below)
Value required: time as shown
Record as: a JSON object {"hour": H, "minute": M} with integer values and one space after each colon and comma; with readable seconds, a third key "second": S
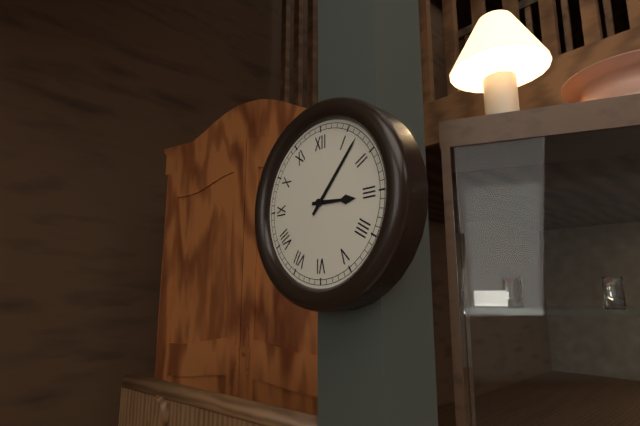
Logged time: {"hour": 3, "minute": 7}
